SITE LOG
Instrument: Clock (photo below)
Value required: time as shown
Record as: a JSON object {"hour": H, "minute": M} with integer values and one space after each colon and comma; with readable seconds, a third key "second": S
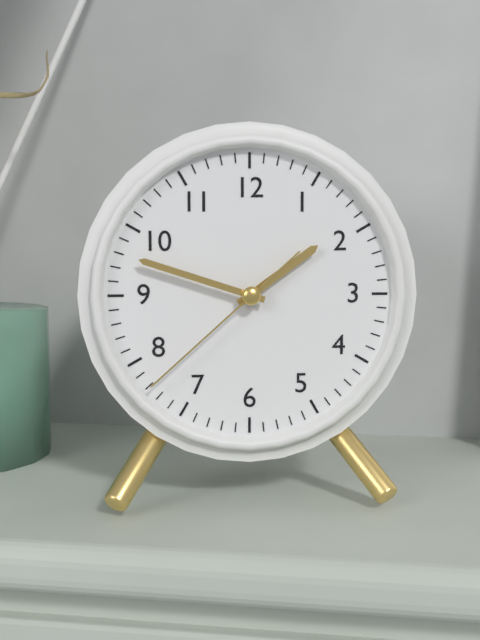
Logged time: {"hour": 1, "minute": 48, "second": 38}
